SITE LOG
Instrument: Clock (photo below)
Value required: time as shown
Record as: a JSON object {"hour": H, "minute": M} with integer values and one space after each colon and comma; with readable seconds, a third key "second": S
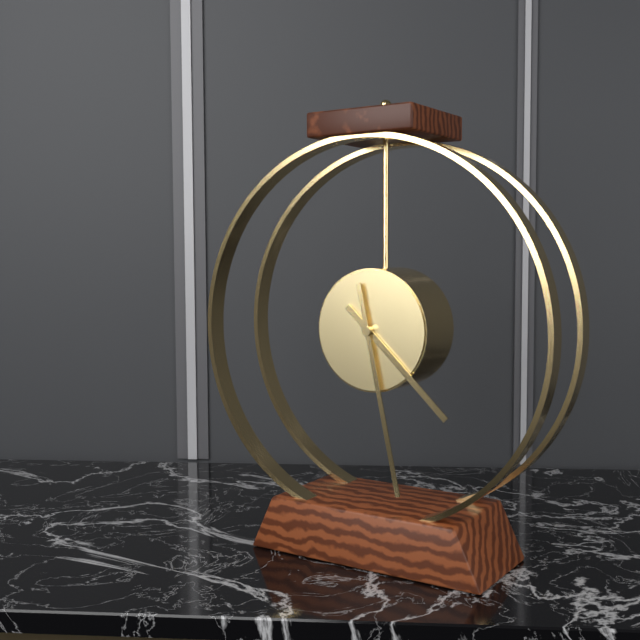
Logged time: {"hour": 4, "minute": 28}
